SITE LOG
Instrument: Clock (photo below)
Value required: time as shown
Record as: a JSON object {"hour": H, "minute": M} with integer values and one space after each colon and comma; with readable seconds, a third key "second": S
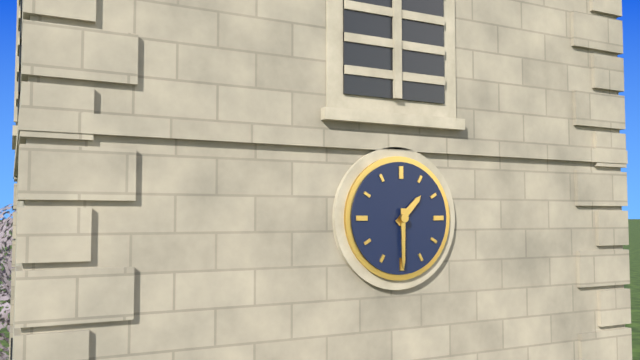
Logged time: {"hour": 1, "minute": 30}
